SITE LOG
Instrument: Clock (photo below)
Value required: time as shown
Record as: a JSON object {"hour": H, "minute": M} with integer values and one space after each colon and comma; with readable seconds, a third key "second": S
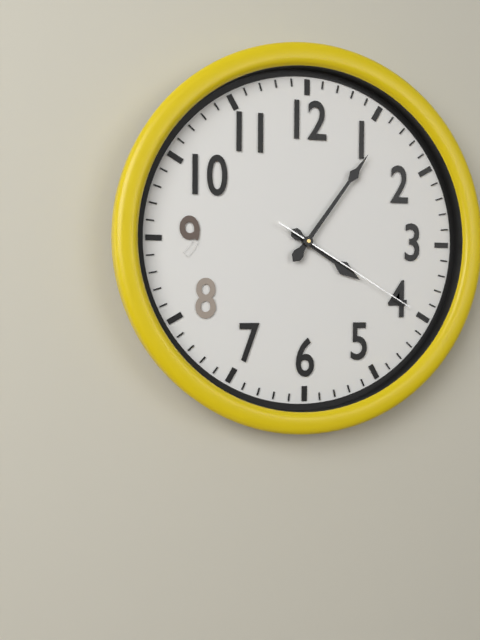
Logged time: {"hour": 4, "minute": 6, "second": 20}
